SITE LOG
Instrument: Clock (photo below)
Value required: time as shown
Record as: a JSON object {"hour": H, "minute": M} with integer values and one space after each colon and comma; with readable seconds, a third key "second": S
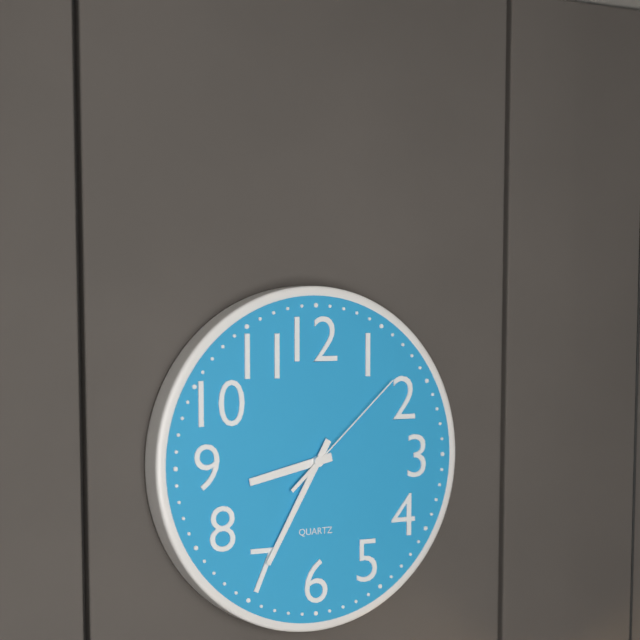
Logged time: {"hour": 8, "minute": 35, "second": 8}
